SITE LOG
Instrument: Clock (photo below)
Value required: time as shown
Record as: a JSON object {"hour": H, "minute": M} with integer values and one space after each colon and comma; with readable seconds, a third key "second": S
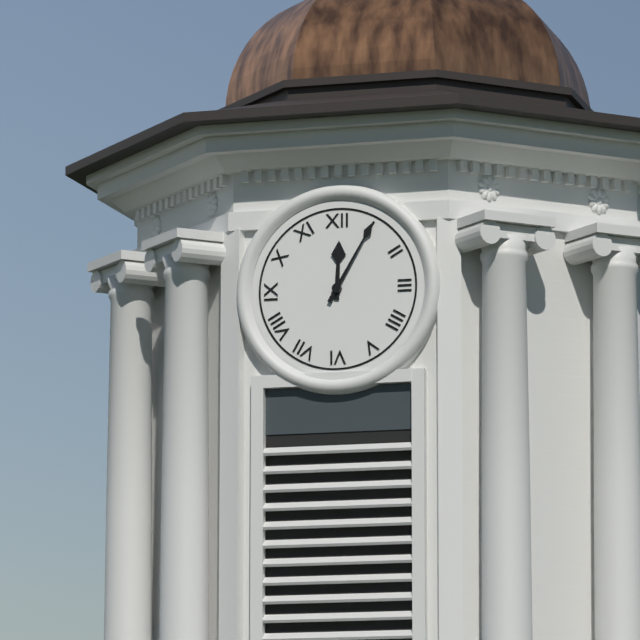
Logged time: {"hour": 12, "minute": 5}
